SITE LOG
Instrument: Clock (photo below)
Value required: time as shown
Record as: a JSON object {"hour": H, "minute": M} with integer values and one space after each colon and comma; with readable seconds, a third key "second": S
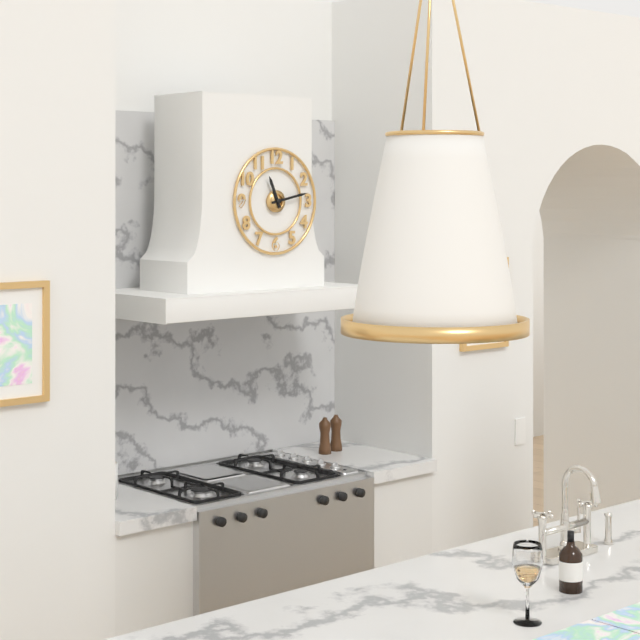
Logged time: {"hour": 11, "minute": 13}
